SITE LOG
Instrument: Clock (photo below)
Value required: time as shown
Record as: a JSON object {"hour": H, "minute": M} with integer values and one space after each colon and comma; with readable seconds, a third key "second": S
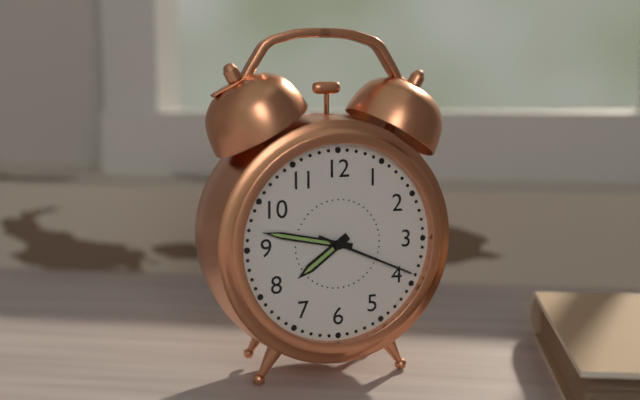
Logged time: {"hour": 7, "minute": 47, "second": 19}
